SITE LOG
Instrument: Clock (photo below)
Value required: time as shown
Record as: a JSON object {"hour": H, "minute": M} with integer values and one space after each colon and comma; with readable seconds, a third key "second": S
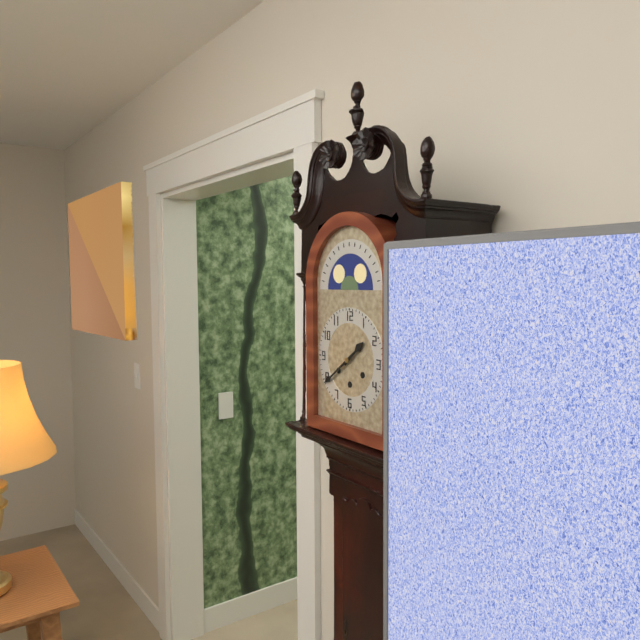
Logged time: {"hour": 1, "minute": 39}
